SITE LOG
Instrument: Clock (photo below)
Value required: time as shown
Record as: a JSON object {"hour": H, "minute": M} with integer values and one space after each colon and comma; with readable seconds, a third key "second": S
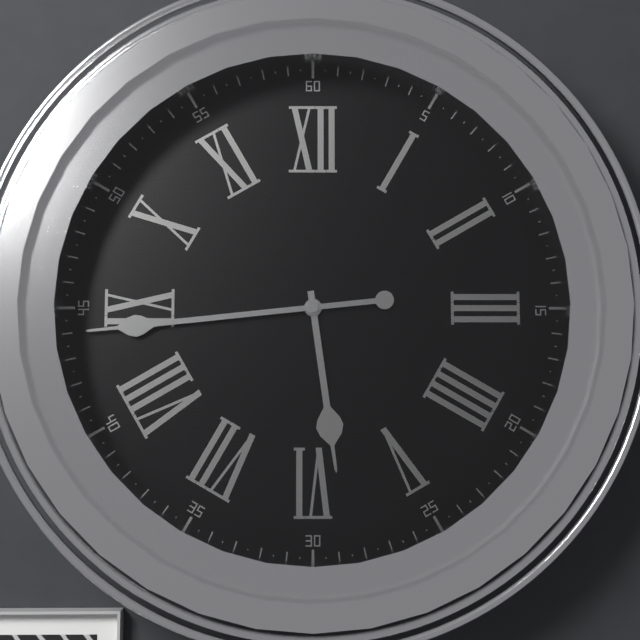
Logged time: {"hour": 5, "minute": 44}
